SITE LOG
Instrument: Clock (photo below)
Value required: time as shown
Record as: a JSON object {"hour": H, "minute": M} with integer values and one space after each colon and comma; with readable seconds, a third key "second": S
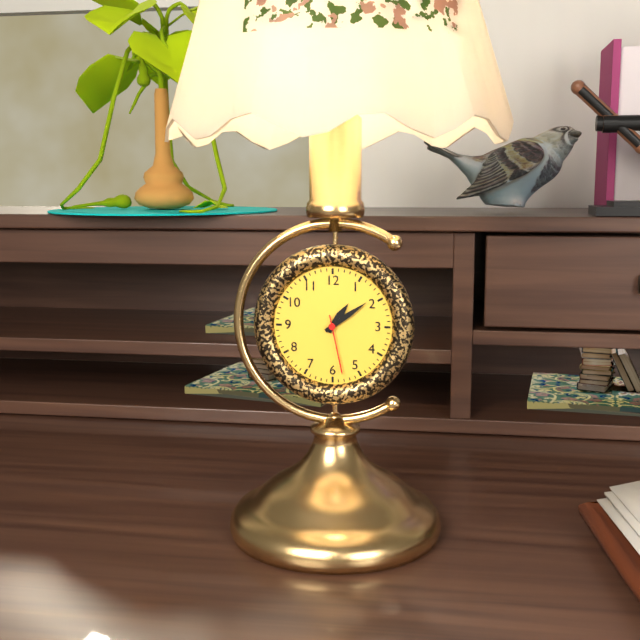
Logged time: {"hour": 1, "minute": 9, "second": 28}
